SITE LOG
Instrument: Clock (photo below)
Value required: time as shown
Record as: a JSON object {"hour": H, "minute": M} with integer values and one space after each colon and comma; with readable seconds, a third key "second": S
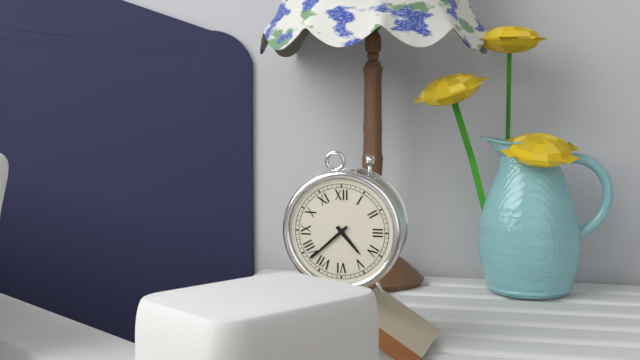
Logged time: {"hour": 4, "minute": 38}
